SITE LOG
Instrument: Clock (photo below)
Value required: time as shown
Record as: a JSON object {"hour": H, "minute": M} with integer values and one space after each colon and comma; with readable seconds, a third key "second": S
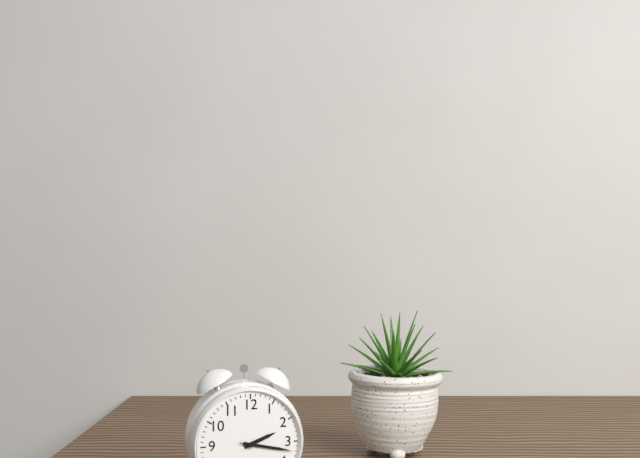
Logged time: {"hour": 2, "minute": 17, "second": 17}
